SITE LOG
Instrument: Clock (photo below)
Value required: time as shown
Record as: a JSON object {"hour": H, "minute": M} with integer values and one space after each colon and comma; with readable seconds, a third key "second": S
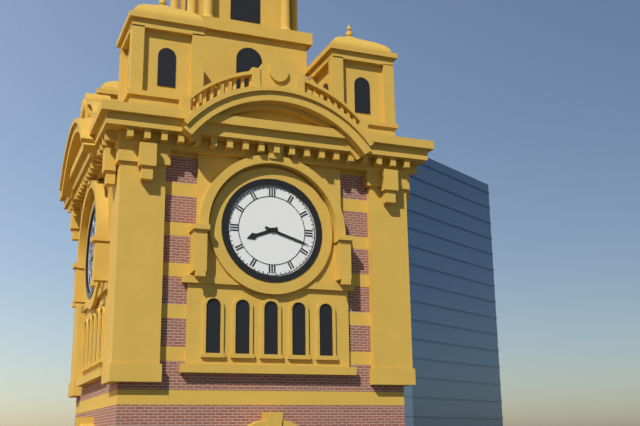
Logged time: {"hour": 8, "minute": 18}
